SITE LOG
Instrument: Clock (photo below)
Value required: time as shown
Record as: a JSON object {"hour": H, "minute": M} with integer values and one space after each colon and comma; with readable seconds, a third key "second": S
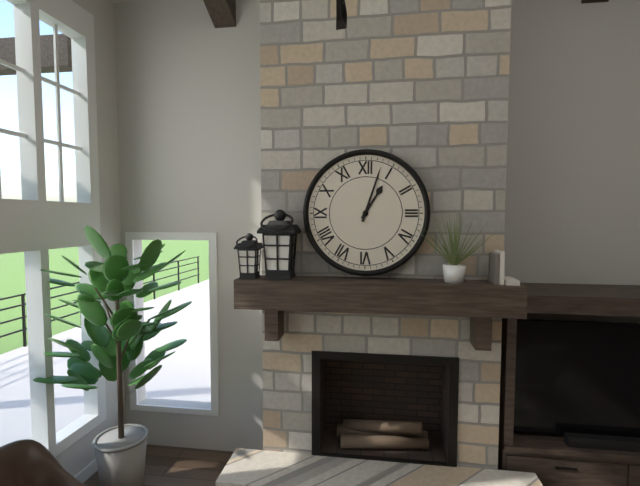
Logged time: {"hour": 1, "minute": 3}
